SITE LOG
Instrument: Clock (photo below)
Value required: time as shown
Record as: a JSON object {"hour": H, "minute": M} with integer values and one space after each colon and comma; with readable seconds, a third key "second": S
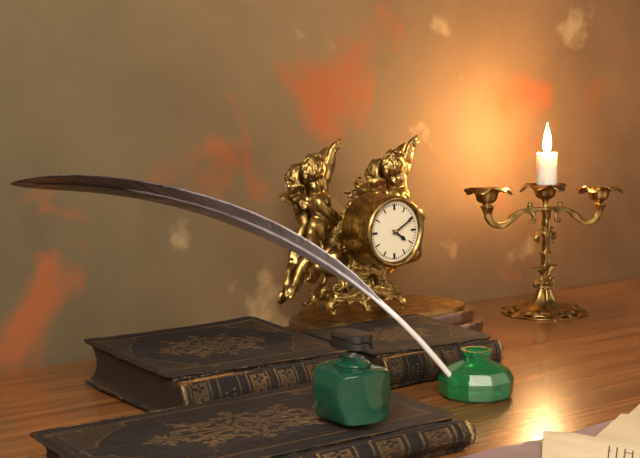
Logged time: {"hour": 4, "minute": 10}
